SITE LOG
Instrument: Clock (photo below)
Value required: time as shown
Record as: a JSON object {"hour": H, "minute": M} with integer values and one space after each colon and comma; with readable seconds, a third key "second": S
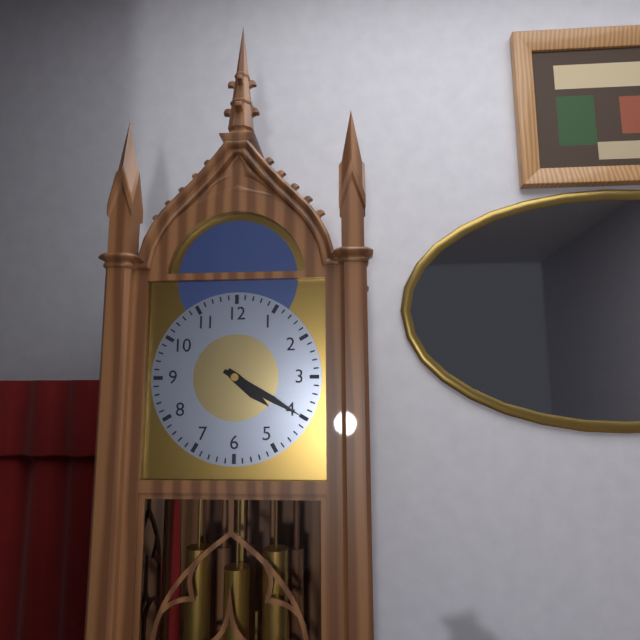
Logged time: {"hour": 4, "minute": 20}
